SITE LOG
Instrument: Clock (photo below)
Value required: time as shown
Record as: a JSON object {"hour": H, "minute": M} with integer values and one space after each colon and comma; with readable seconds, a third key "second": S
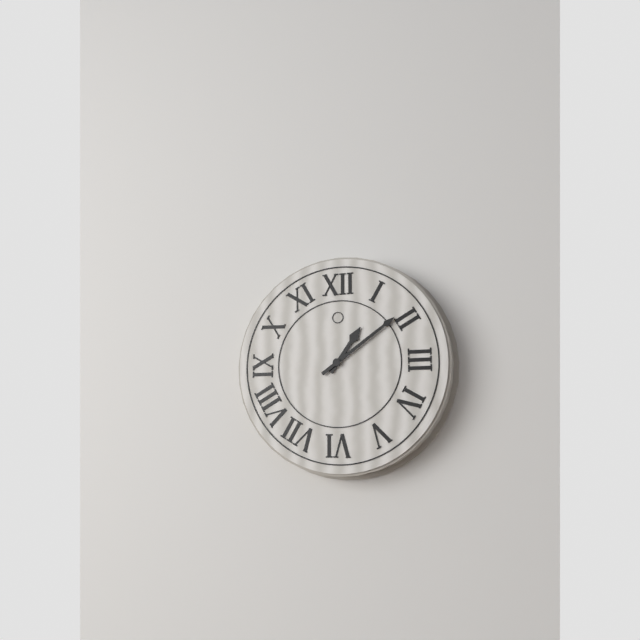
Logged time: {"hour": 1, "minute": 9}
